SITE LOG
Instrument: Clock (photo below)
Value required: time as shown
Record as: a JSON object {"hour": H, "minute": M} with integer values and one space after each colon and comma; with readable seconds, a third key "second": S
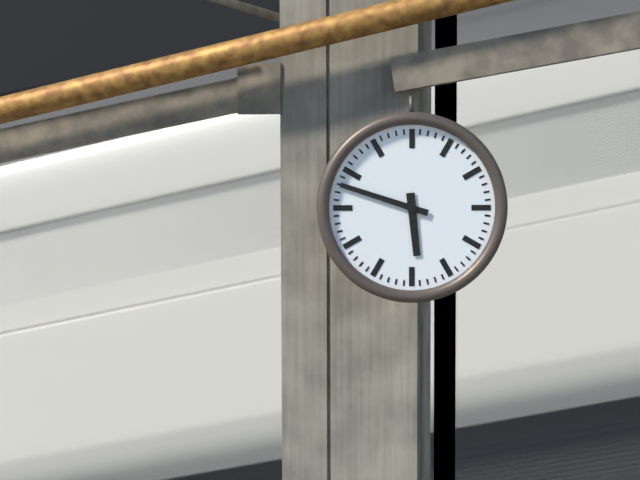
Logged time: {"hour": 5, "minute": 48}
